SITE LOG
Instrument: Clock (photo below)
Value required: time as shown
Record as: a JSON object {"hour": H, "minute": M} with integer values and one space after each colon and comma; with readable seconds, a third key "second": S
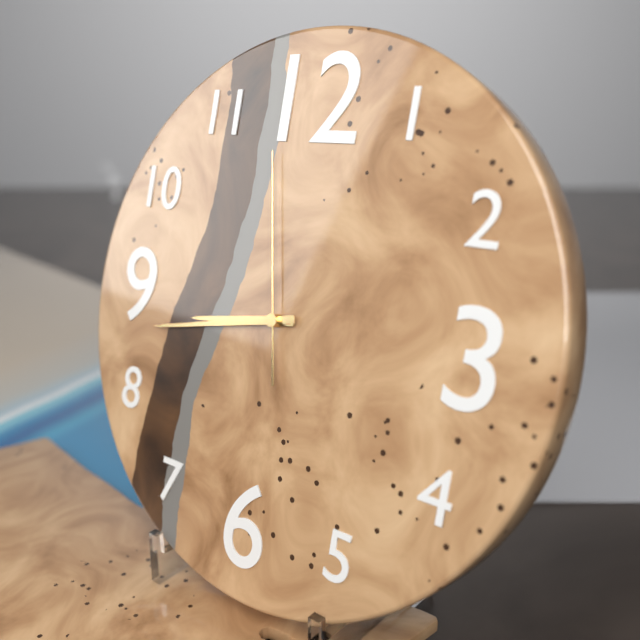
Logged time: {"hour": 8, "minute": 43, "second": 58}
